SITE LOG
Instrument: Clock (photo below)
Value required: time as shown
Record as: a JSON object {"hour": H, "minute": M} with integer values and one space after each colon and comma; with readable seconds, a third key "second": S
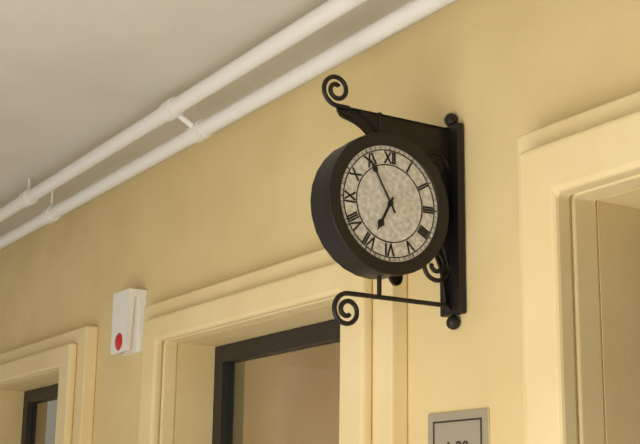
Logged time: {"hour": 6, "minute": 55}
